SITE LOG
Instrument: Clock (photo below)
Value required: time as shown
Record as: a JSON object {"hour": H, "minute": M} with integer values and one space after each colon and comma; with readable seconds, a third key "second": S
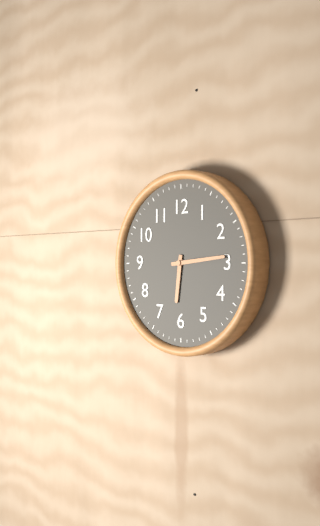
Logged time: {"hour": 6, "minute": 14}
